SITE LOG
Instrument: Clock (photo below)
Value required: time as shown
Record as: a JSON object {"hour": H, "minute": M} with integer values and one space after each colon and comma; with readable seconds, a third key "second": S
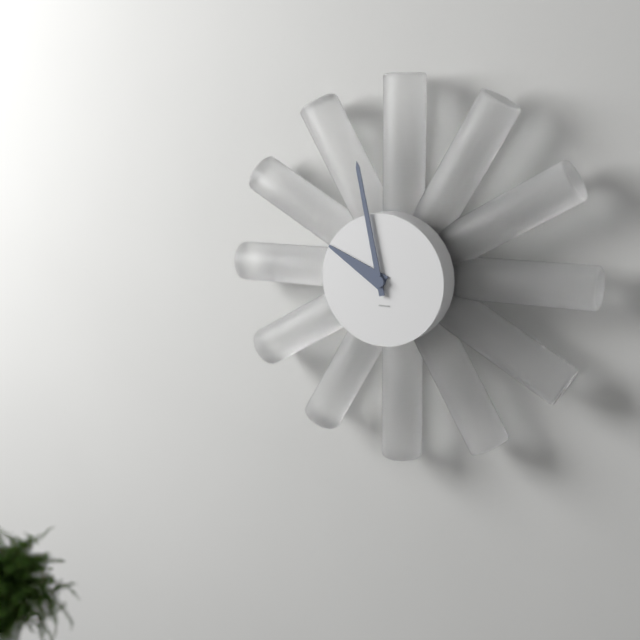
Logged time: {"hour": 9, "minute": 58}
